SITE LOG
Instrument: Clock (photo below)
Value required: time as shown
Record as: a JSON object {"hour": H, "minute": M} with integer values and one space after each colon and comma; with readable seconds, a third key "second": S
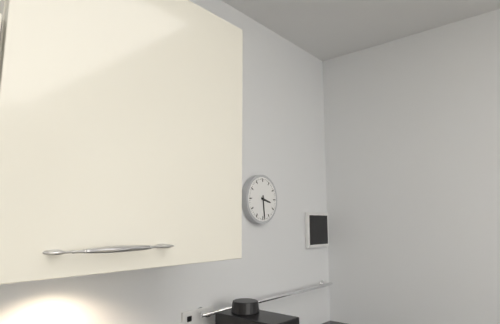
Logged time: {"hour": 3, "minute": 29}
